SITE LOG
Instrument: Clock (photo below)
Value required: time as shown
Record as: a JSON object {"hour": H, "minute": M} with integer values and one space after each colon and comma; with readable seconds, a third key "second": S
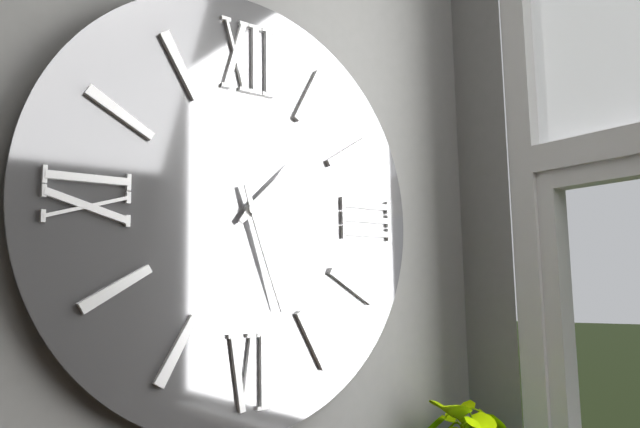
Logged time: {"hour": 1, "minute": 27}
